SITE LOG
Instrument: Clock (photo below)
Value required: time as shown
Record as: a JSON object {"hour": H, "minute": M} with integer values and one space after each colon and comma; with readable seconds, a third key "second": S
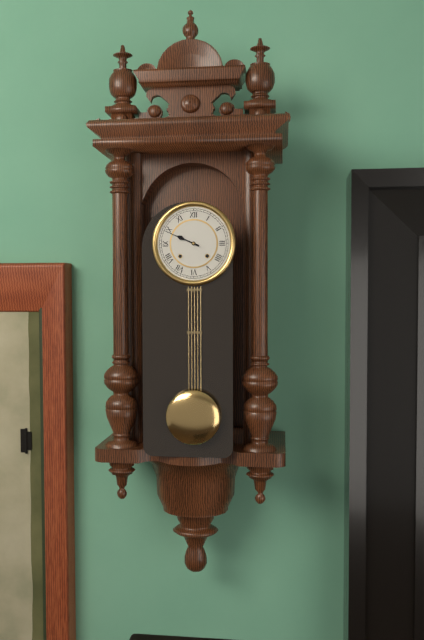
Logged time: {"hour": 9, "minute": 49}
